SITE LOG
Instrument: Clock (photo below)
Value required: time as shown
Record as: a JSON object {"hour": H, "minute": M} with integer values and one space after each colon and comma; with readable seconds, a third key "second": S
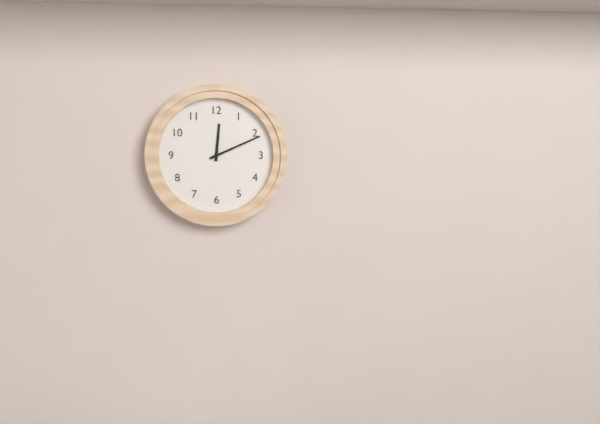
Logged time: {"hour": 12, "minute": 11}
